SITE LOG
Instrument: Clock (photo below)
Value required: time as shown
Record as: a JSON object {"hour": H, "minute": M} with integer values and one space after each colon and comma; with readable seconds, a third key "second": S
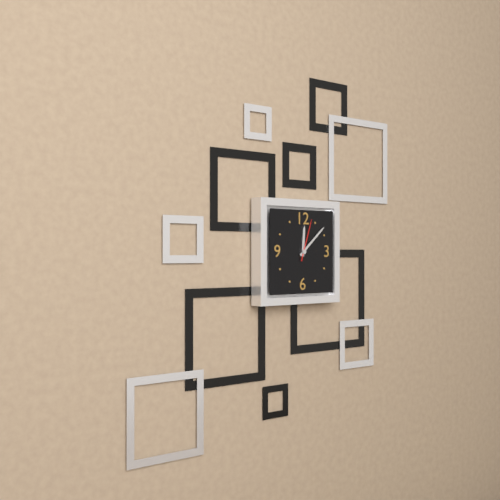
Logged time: {"hour": 12, "minute": 8}
